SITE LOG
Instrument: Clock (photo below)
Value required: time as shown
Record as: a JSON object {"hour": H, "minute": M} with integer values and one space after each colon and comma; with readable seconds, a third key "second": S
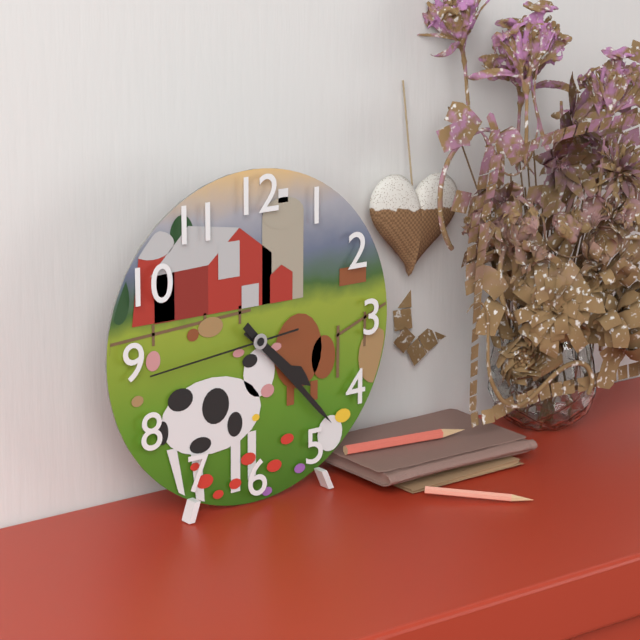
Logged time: {"hour": 4, "minute": 23, "second": 44}
